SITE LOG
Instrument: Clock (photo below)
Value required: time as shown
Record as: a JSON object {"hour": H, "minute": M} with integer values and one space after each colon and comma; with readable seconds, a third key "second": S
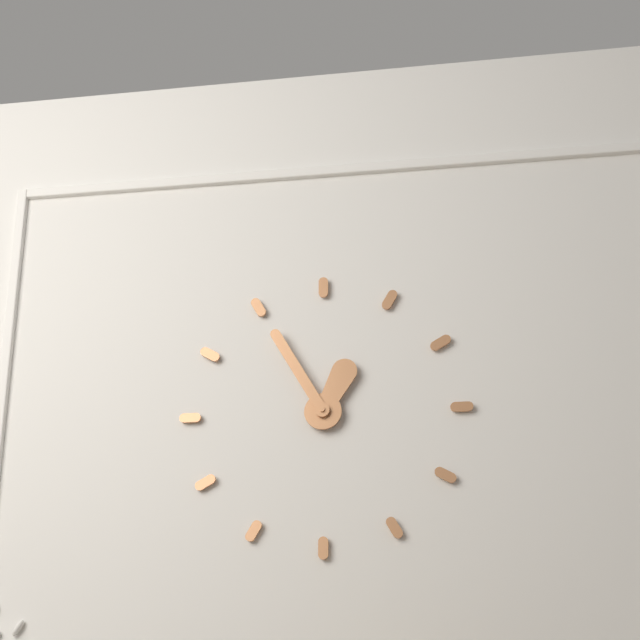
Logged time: {"hour": 12, "minute": 55}
